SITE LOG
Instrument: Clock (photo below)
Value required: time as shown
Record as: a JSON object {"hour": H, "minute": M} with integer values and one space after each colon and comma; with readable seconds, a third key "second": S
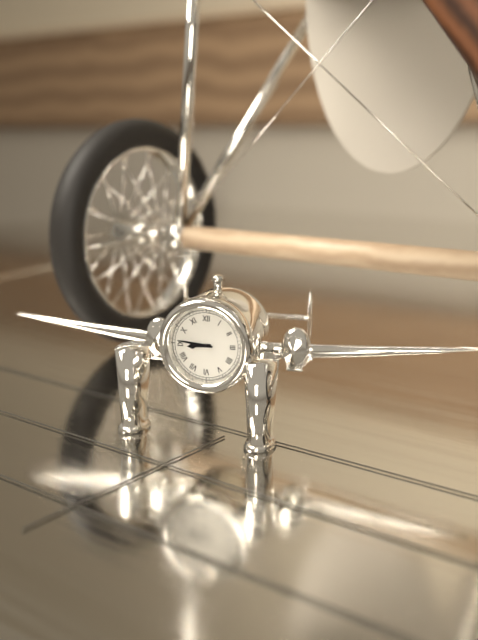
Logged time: {"hour": 8, "minute": 46}
